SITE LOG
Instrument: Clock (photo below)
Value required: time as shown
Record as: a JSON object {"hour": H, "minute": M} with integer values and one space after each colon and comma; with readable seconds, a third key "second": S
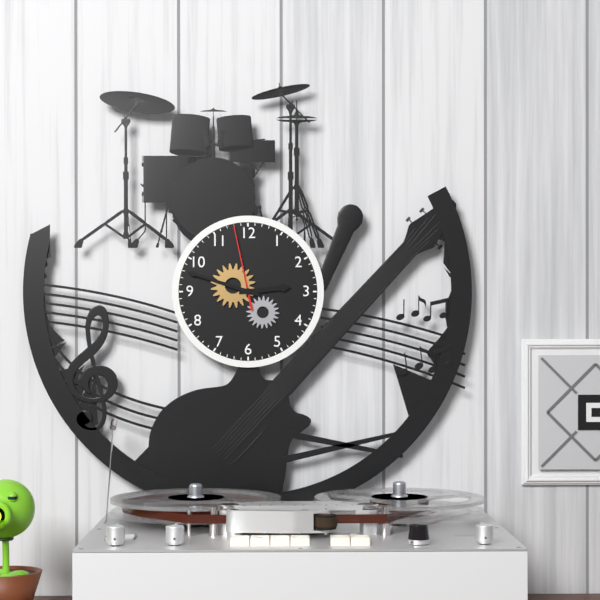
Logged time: {"hour": 2, "minute": 48, "second": 58}
